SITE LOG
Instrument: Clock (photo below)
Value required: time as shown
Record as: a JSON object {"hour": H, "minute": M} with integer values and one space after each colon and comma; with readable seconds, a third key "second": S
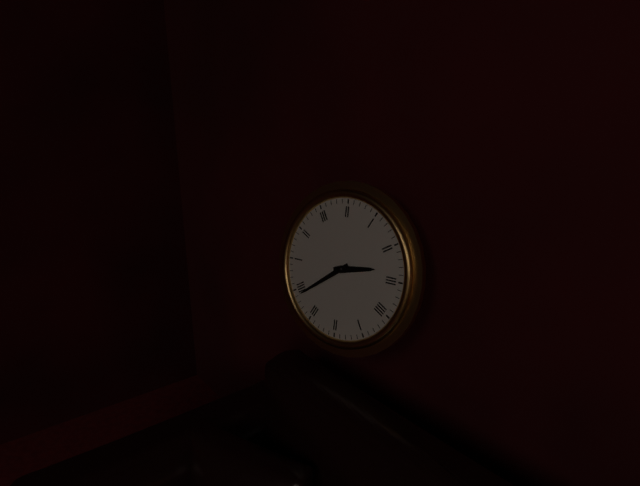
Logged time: {"hour": 2, "minute": 39}
